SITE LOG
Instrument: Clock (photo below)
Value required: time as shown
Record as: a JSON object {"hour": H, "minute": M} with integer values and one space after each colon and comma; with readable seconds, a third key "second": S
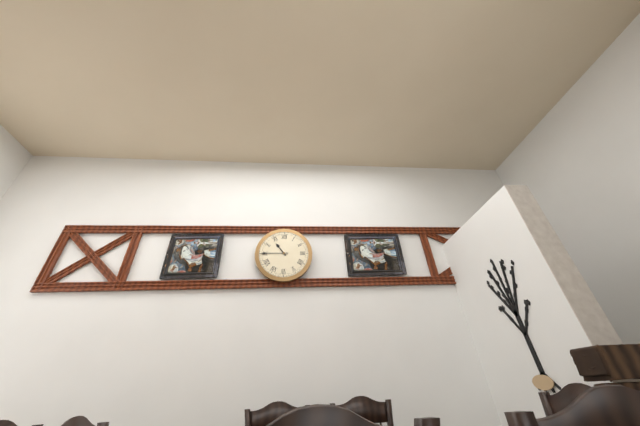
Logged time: {"hour": 10, "minute": 45}
